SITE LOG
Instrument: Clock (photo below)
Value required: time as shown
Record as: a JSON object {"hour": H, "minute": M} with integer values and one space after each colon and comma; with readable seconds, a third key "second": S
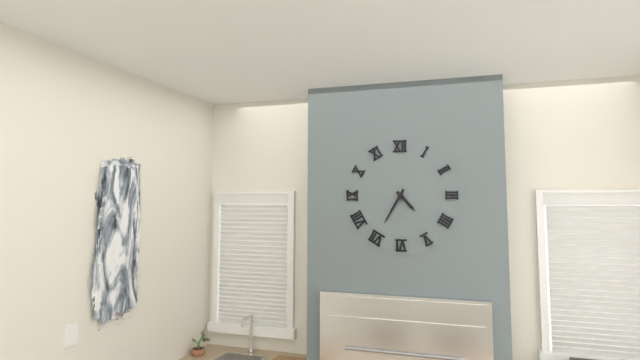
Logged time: {"hour": 4, "minute": 35}
